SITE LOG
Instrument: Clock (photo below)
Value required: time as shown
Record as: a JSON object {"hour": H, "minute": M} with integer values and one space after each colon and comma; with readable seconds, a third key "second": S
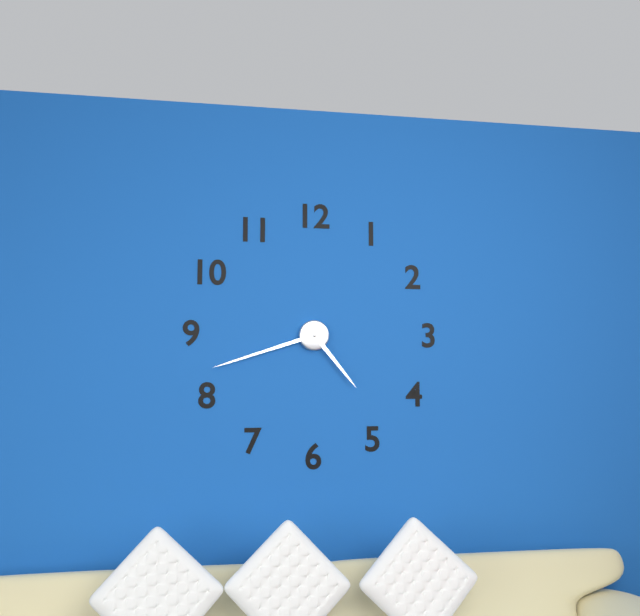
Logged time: {"hour": 4, "minute": 42}
